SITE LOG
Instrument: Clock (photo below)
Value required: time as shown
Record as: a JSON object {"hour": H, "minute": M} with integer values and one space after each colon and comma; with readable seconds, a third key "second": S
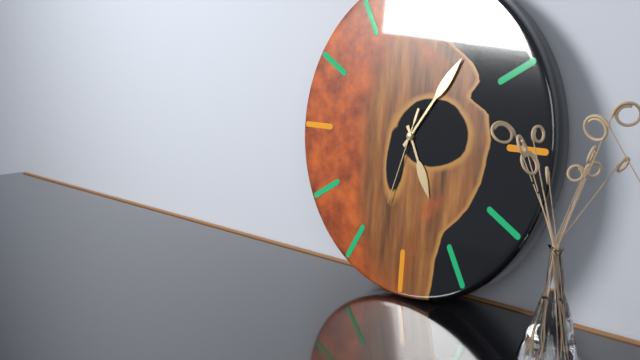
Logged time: {"hour": 5, "minute": 6, "second": 33}
